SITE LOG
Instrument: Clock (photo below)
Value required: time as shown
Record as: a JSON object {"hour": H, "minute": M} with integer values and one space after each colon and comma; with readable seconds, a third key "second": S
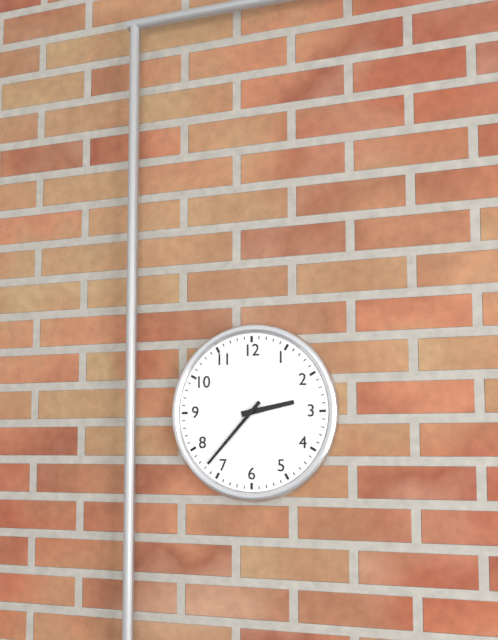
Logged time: {"hour": 2, "minute": 37}
